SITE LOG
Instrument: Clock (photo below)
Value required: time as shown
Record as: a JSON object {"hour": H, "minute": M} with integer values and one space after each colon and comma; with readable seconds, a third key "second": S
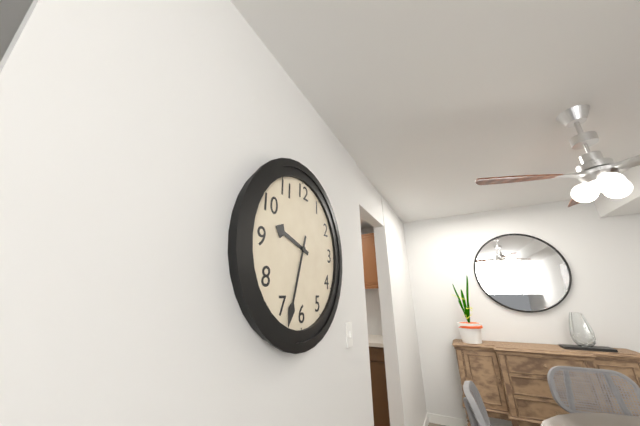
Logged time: {"hour": 9, "minute": 33}
